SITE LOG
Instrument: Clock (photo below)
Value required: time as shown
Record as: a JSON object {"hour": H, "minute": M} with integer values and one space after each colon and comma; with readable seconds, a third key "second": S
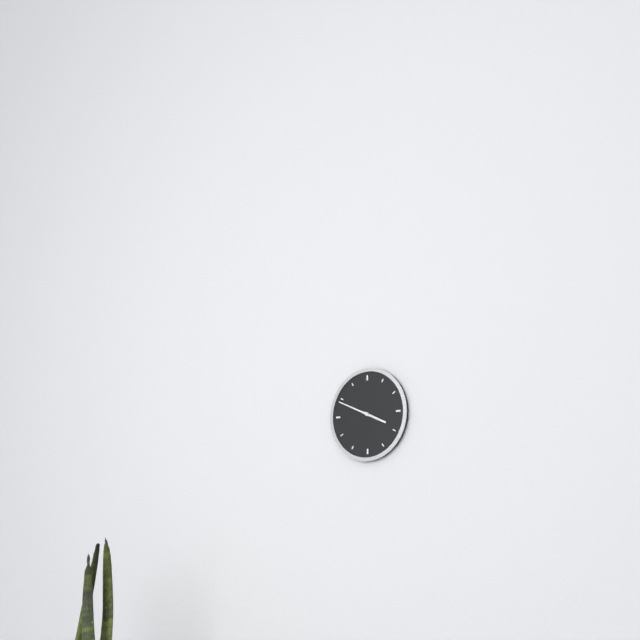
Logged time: {"hour": 3, "minute": 49}
